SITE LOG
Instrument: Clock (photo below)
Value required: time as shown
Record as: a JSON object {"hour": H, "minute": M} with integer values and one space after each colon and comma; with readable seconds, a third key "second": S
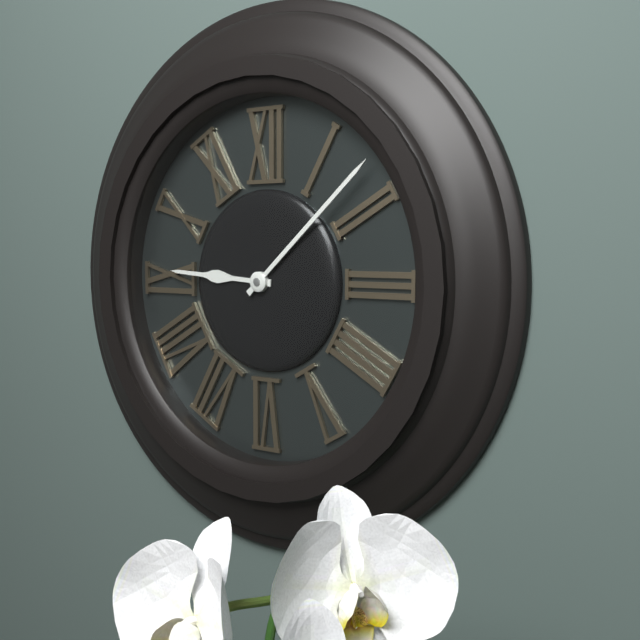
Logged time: {"hour": 9, "minute": 8}
